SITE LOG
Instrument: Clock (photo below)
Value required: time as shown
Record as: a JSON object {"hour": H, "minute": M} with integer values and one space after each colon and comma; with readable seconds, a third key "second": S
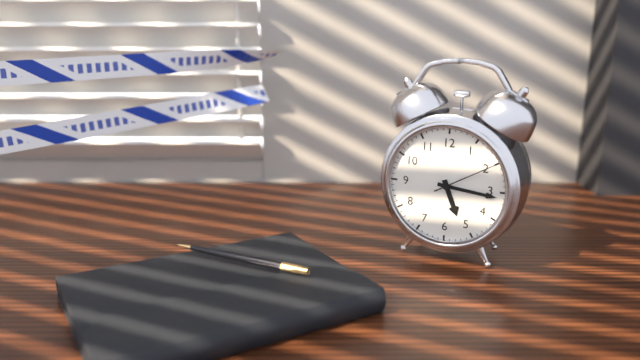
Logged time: {"hour": 5, "minute": 16, "second": 10}
